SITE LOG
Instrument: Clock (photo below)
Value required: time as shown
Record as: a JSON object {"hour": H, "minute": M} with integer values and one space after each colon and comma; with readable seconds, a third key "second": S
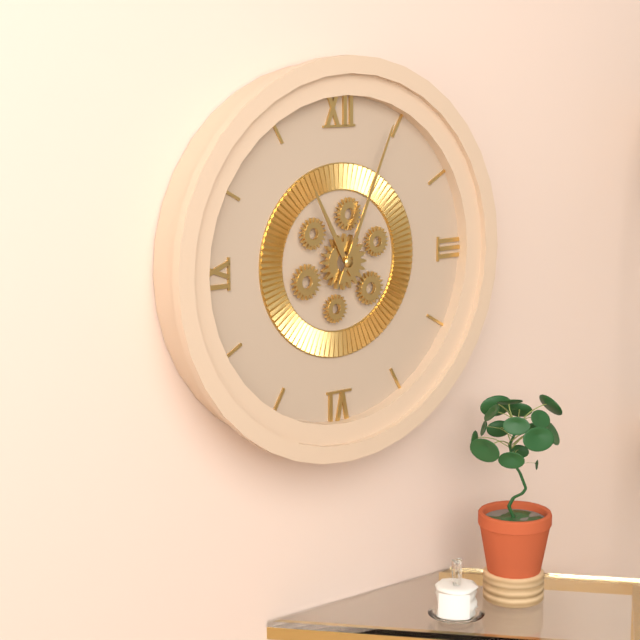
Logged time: {"hour": 11, "minute": 4}
